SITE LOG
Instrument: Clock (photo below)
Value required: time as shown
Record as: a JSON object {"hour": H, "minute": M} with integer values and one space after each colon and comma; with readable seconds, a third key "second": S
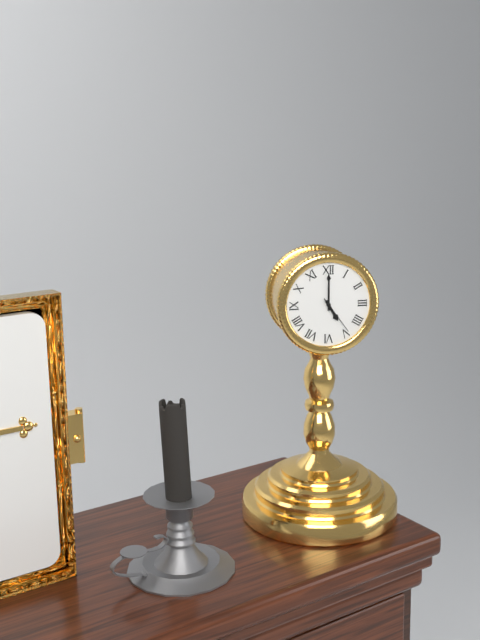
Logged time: {"hour": 5, "minute": 0, "second": 24}
